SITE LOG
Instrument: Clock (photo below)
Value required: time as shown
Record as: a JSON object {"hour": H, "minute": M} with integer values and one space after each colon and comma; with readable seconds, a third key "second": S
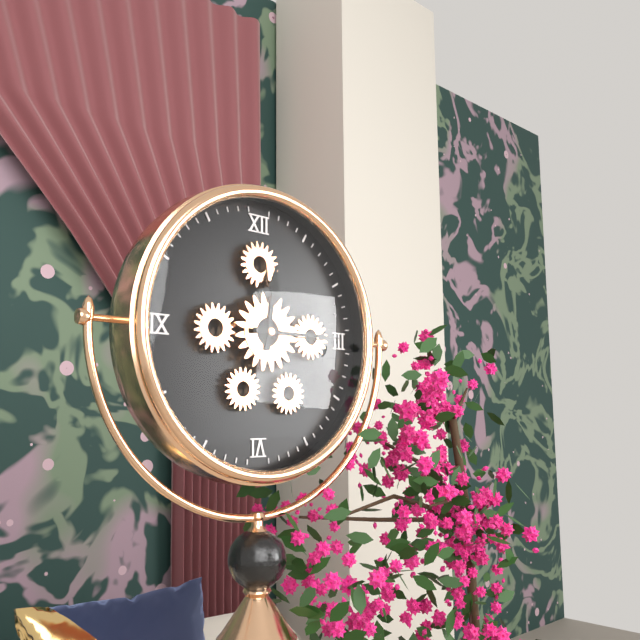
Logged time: {"hour": 12, "minute": 15}
